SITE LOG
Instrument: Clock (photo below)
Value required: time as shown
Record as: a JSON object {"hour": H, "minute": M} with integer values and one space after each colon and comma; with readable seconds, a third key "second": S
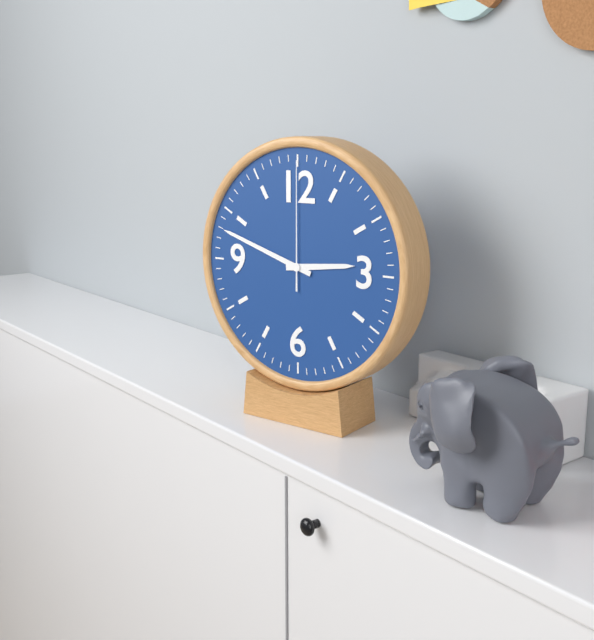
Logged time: {"hour": 2, "minute": 48, "second": 0}
